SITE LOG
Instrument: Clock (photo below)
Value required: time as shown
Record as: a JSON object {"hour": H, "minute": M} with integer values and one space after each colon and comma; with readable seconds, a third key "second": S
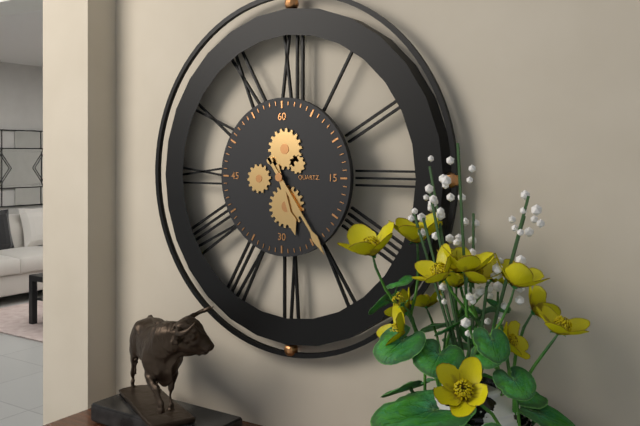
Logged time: {"hour": 5, "minute": 24}
